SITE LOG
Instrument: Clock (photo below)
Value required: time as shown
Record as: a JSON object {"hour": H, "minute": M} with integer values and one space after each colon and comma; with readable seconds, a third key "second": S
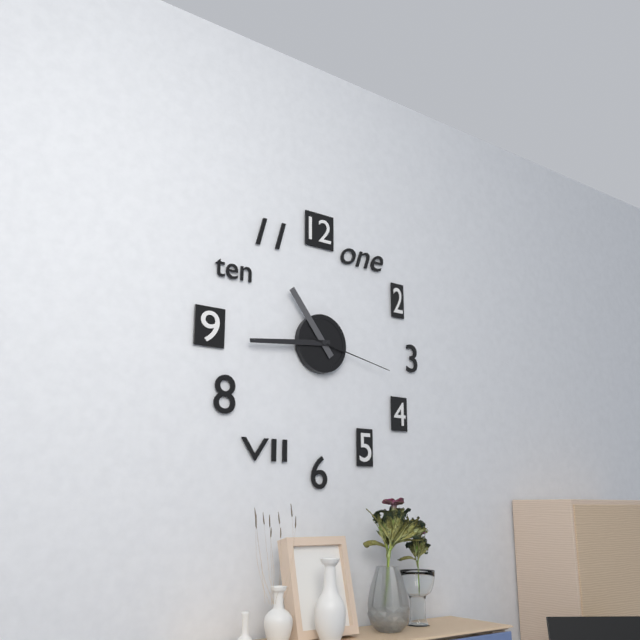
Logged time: {"hour": 10, "minute": 44, "second": 17}
